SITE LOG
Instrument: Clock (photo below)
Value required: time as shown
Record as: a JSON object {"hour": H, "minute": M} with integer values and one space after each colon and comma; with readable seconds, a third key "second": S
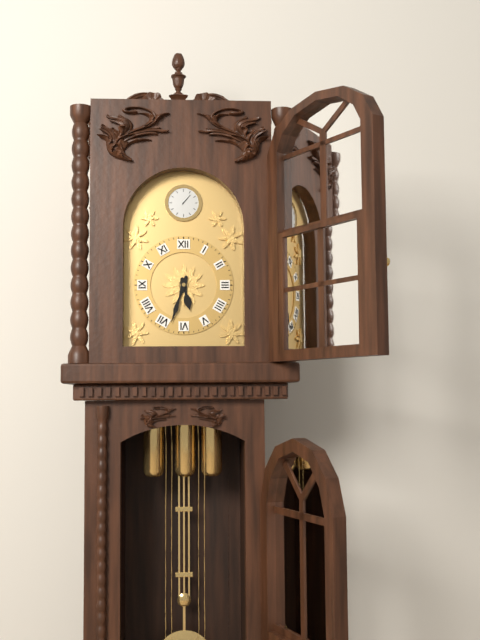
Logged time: {"hour": 5, "minute": 33}
